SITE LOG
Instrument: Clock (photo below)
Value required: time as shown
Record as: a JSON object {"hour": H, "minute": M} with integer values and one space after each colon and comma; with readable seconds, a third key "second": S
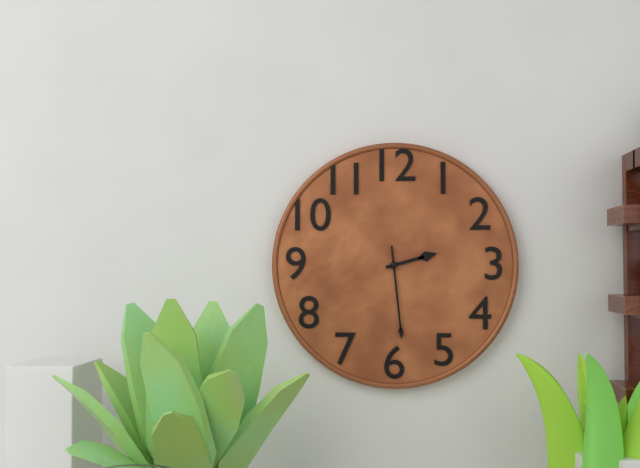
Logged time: {"hour": 2, "minute": 29}
